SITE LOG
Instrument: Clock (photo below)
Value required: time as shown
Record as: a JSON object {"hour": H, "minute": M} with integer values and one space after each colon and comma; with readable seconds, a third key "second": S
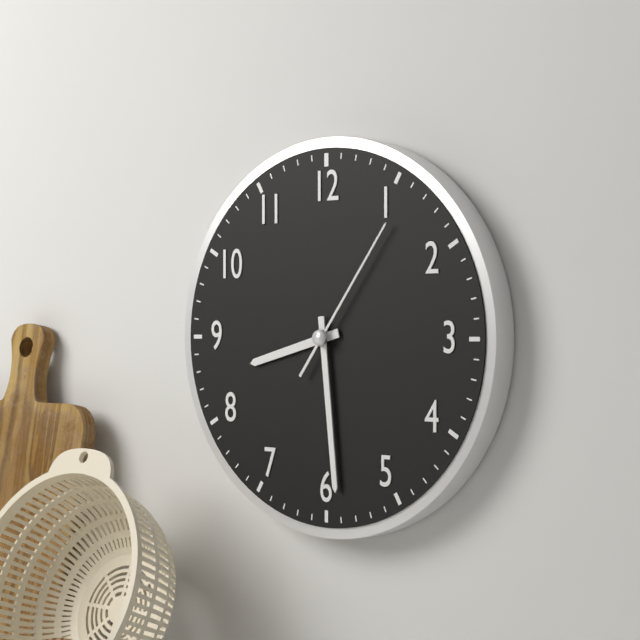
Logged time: {"hour": 8, "minute": 29, "second": 6}
